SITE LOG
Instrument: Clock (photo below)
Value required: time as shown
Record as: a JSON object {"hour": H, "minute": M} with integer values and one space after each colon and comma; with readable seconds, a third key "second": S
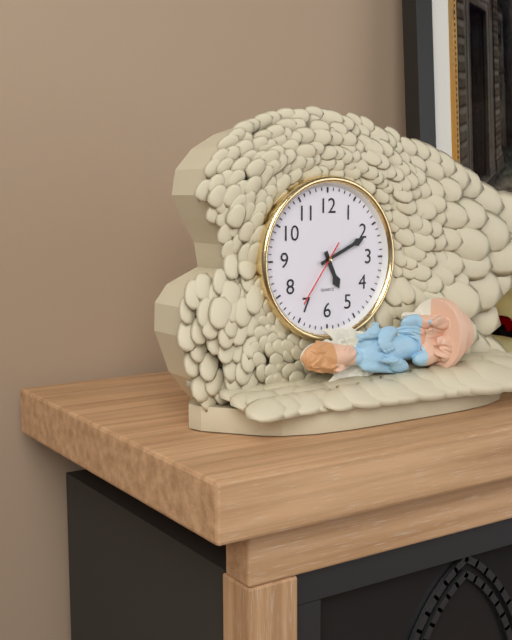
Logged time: {"hour": 5, "minute": 11, "second": 36}
